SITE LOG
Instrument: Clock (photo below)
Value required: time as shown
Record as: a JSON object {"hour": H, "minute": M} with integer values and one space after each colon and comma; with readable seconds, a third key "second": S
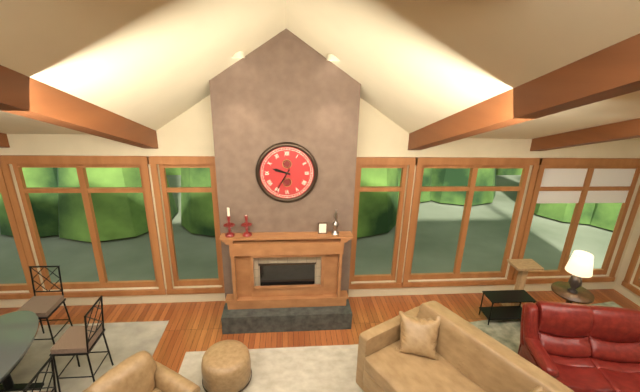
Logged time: {"hour": 9, "minute": 35}
